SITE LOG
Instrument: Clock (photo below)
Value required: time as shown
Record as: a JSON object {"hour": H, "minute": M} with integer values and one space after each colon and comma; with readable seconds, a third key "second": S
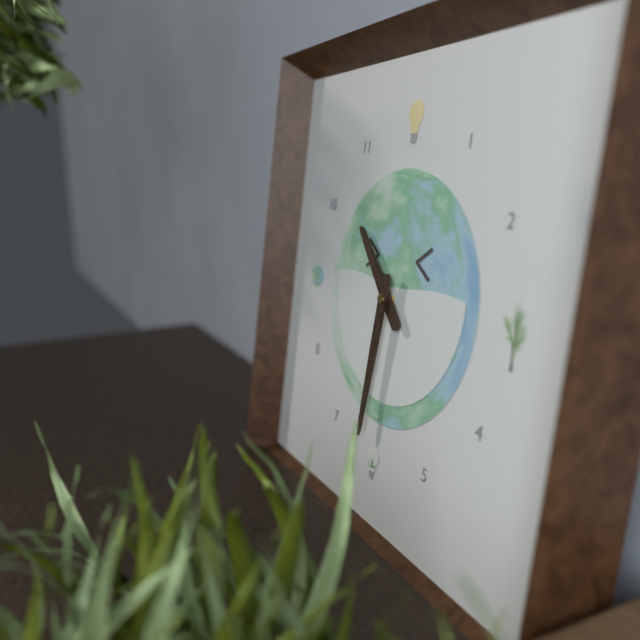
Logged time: {"hour": 10, "minute": 31}
